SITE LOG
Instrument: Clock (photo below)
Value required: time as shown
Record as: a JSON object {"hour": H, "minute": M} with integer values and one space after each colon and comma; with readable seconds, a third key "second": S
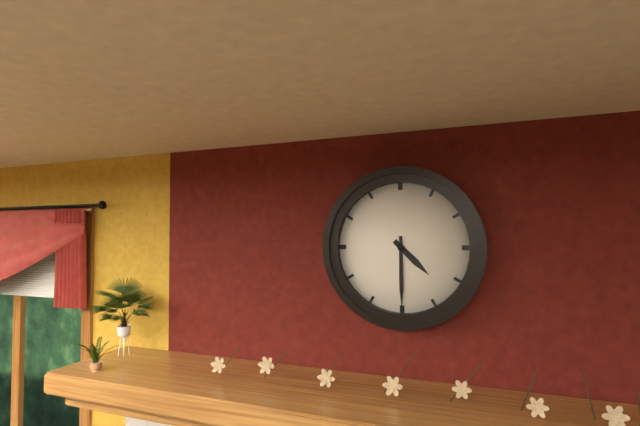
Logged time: {"hour": 4, "minute": 30}
